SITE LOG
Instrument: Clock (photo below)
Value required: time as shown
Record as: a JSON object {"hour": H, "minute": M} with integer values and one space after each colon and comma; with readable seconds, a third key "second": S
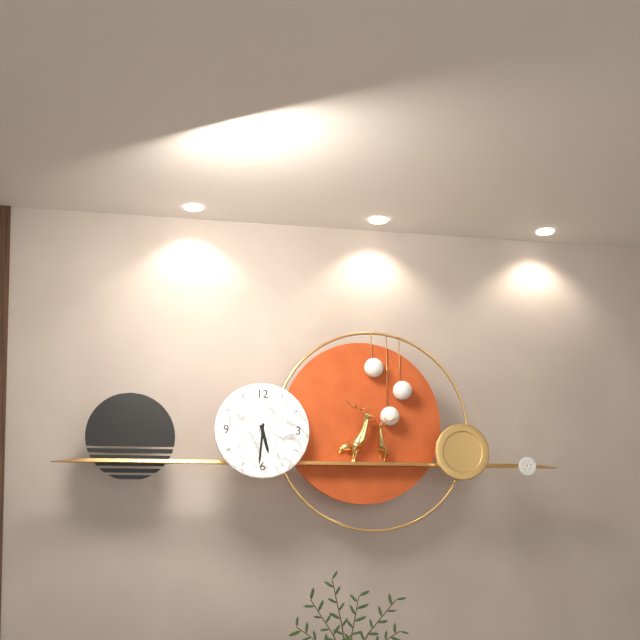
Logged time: {"hour": 5, "minute": 31}
